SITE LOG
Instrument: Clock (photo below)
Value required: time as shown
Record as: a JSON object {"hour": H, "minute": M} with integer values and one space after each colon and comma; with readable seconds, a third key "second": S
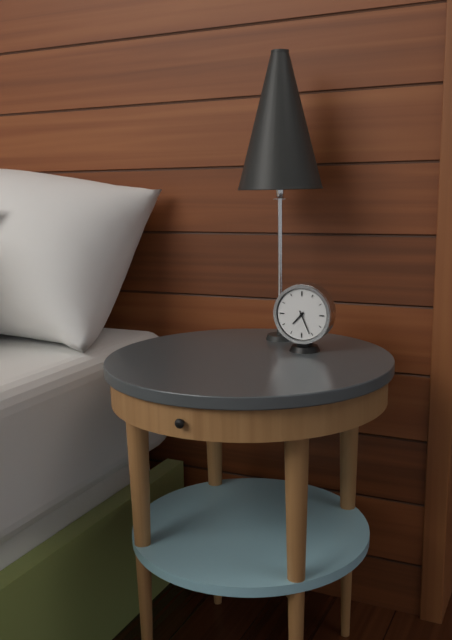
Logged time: {"hour": 7, "minute": 26}
